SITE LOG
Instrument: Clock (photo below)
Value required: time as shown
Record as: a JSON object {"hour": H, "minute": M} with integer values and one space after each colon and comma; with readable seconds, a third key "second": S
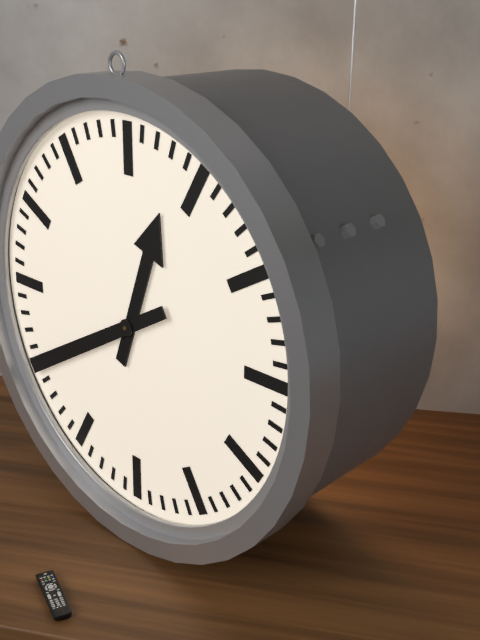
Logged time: {"hour": 12, "minute": 40}
